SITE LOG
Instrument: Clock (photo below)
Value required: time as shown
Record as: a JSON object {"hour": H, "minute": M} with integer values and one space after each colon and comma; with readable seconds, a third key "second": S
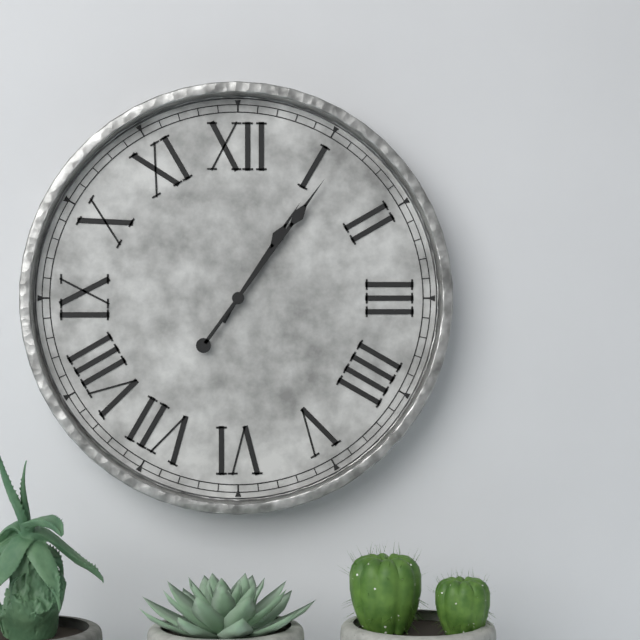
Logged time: {"hour": 1, "minute": 6}
